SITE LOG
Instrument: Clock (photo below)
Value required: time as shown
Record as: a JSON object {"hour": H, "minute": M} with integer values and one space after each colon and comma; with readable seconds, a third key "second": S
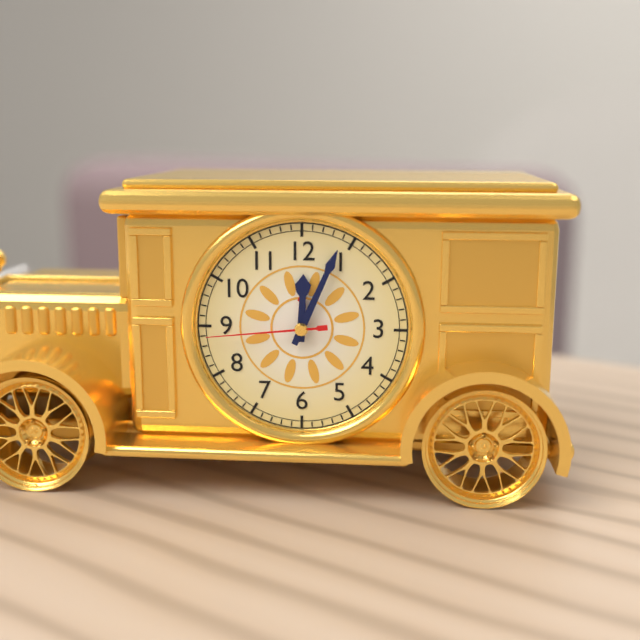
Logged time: {"hour": 12, "minute": 4, "second": 44}
